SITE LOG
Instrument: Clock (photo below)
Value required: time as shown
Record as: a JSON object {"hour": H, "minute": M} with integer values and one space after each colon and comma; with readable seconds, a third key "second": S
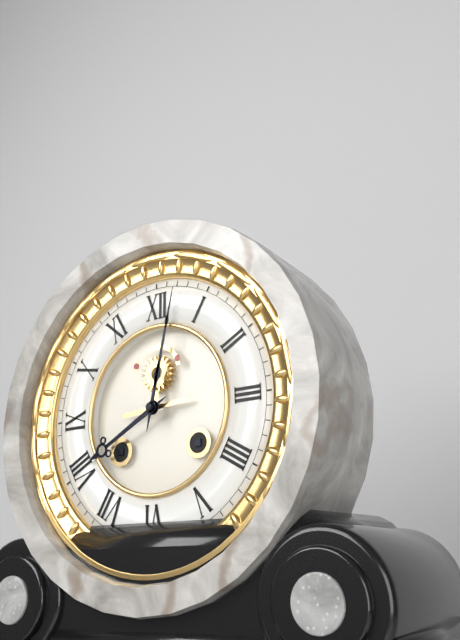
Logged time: {"hour": 8, "minute": 2}
